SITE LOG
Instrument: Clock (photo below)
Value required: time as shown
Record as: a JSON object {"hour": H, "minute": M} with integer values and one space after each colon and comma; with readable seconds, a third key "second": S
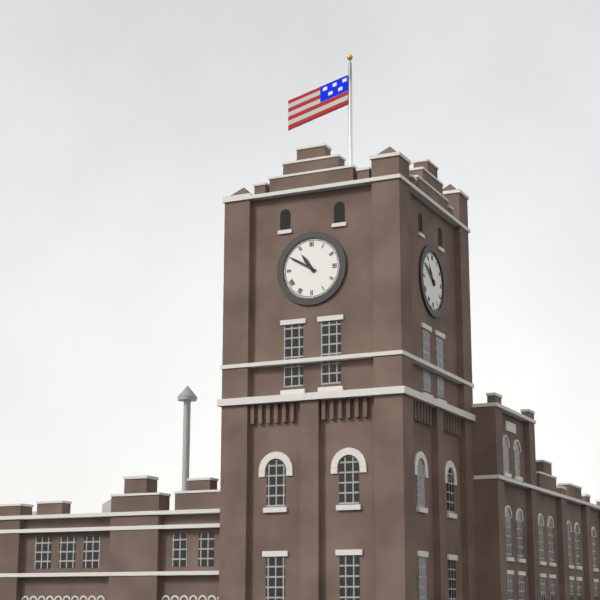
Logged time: {"hour": 10, "minute": 50}
